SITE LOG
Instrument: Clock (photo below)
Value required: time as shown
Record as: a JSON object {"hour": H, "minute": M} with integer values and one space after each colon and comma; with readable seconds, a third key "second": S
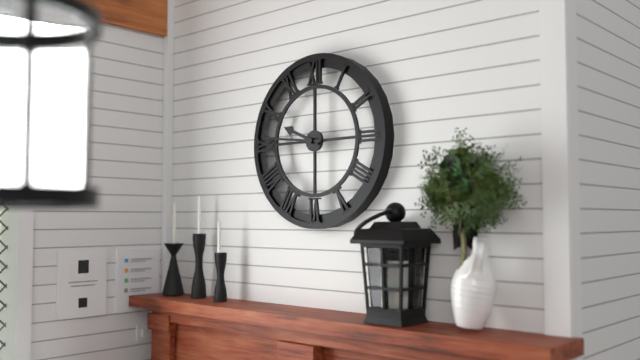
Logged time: {"hour": 9, "minute": 46}
